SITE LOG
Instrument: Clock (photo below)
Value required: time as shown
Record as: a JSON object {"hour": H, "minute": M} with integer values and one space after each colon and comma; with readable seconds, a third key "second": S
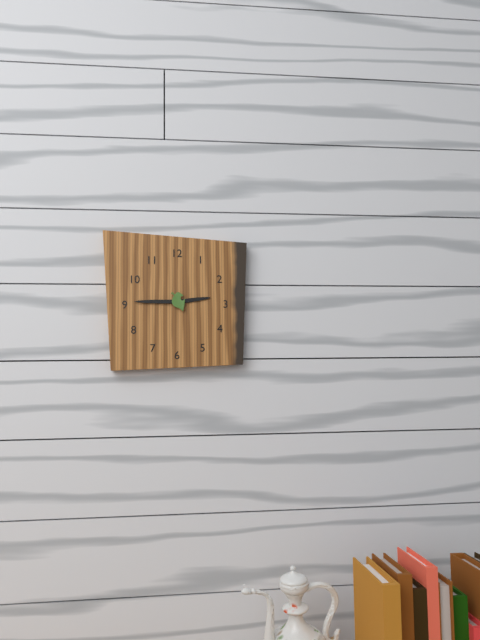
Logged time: {"hour": 2, "minute": 45}
